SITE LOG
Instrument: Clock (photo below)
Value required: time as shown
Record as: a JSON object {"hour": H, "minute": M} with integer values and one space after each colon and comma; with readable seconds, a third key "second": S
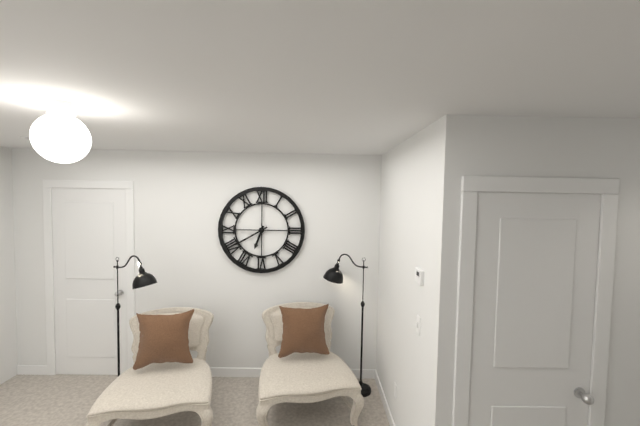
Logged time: {"hour": 6, "minute": 40}
